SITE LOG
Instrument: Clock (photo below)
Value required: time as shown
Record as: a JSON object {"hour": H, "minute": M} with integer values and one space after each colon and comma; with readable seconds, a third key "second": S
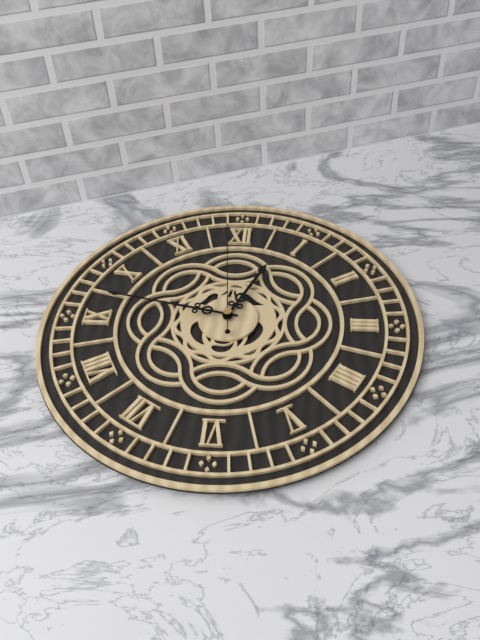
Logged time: {"hour": 12, "minute": 47, "second": 59}
